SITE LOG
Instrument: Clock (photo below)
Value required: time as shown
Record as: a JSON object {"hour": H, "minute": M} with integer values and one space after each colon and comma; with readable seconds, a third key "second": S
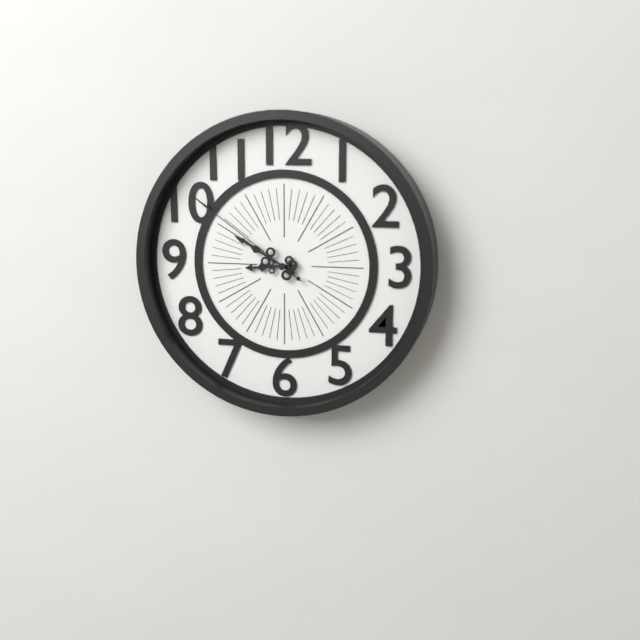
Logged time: {"hour": 8, "minute": 50, "second": 51}
